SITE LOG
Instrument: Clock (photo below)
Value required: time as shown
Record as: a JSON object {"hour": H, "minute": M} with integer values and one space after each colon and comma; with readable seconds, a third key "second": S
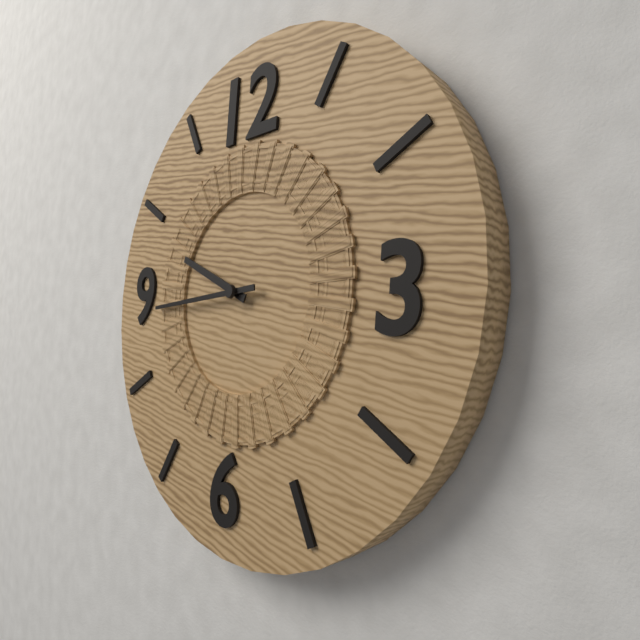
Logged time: {"hour": 9, "minute": 44}
